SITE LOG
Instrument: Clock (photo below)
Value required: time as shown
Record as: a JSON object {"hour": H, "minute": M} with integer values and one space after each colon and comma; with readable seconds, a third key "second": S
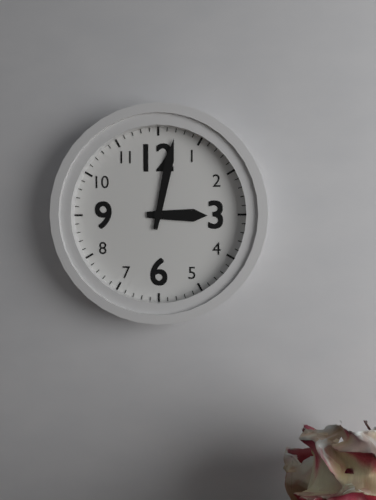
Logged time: {"hour": 3, "minute": 2}
